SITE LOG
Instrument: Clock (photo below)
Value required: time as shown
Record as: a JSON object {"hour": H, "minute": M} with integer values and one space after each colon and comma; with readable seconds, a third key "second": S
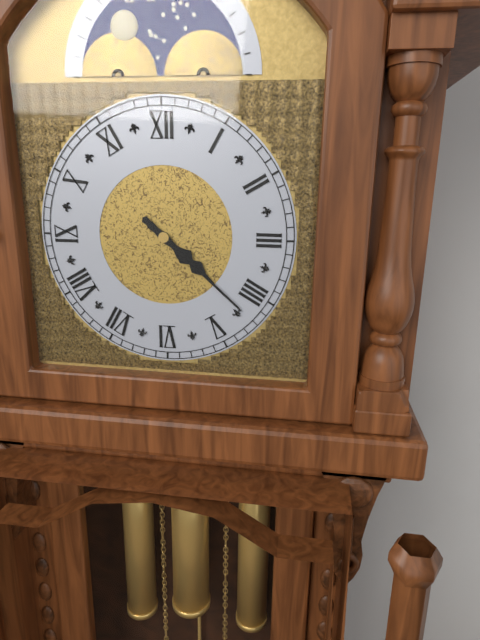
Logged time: {"hour": 4, "minute": 22}
